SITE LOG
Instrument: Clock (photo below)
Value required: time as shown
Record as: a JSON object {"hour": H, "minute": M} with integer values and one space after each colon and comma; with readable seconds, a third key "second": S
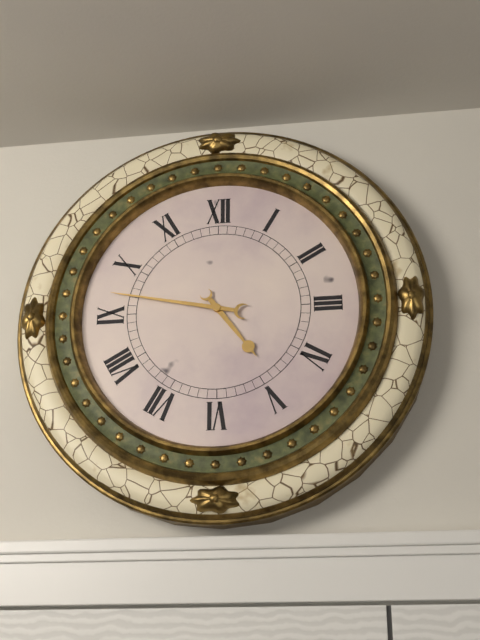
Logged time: {"hour": 4, "minute": 47}
